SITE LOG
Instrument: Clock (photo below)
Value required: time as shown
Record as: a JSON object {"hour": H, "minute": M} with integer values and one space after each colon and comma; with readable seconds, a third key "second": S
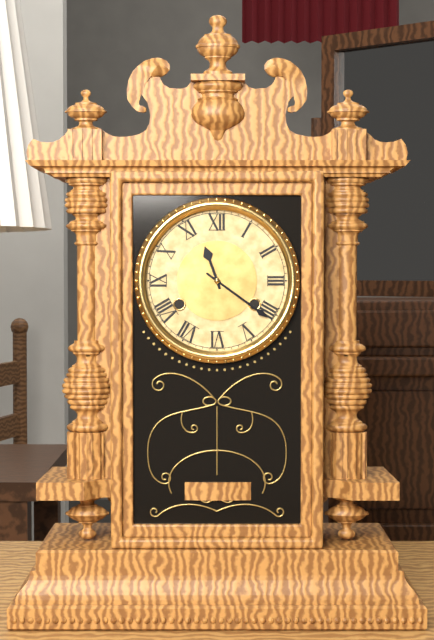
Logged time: {"hour": 11, "minute": 21}
